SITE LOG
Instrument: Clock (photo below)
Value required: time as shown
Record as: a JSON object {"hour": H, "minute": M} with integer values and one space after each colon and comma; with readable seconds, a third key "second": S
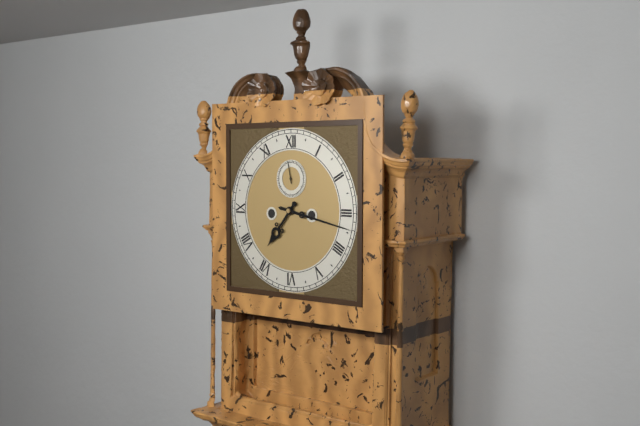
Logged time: {"hour": 7, "minute": 17}
